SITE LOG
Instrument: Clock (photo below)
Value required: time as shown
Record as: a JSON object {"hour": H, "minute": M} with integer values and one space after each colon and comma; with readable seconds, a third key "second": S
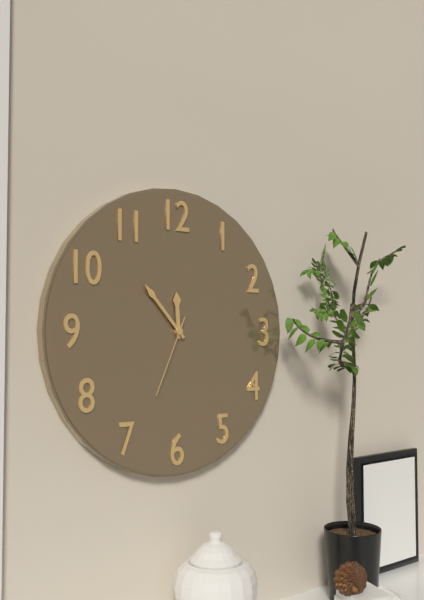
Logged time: {"hour": 11, "minute": 53, "second": 34}
